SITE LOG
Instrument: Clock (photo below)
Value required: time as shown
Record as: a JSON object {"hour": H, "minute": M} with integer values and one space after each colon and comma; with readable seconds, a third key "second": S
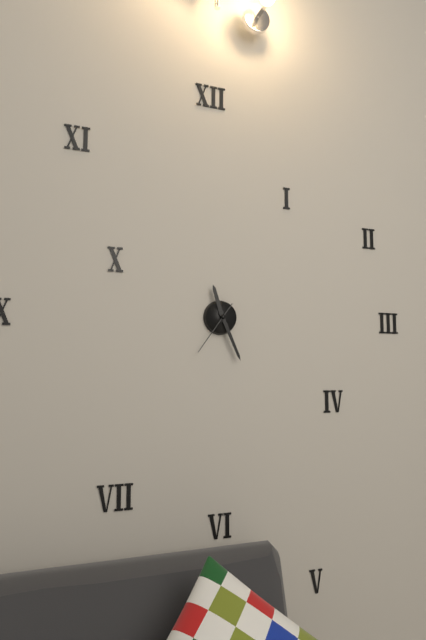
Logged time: {"hour": 11, "minute": 26, "second": 36}
